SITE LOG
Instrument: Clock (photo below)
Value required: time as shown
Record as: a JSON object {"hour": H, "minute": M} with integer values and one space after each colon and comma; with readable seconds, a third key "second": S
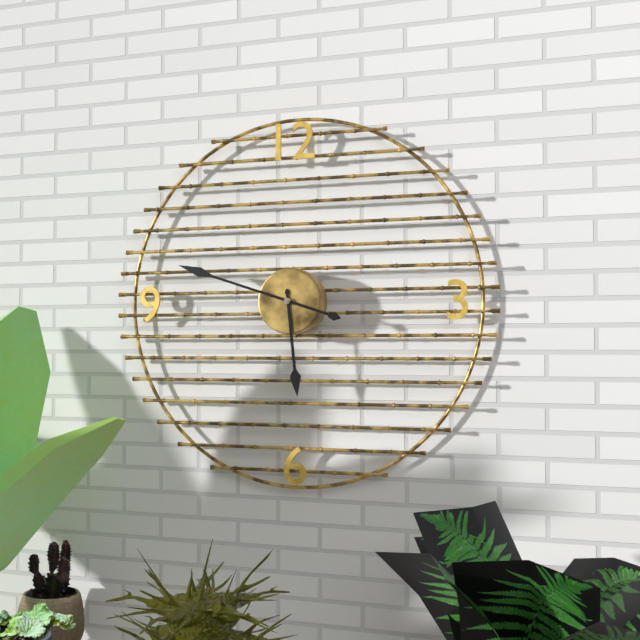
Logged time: {"hour": 5, "minute": 48}
